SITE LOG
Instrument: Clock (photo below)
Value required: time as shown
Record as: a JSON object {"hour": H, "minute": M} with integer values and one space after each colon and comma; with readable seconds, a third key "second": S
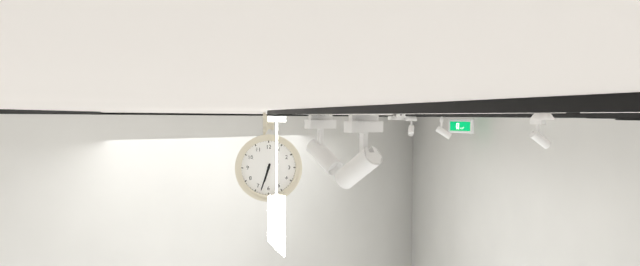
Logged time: {"hour": 6, "minute": 33}
